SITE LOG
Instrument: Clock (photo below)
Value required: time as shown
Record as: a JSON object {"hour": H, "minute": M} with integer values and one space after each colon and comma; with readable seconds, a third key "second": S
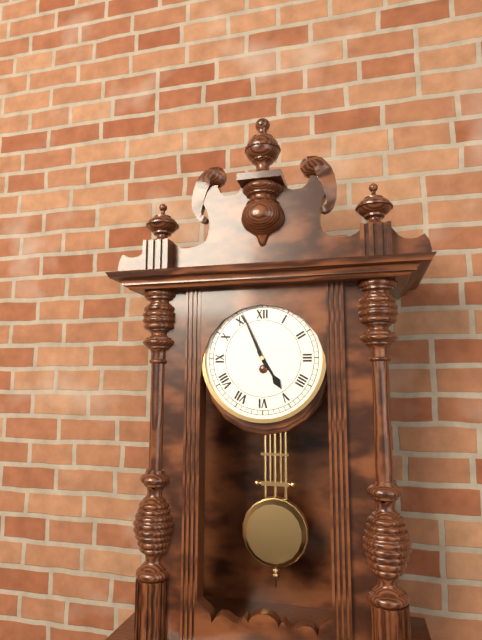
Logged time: {"hour": 4, "minute": 56}
